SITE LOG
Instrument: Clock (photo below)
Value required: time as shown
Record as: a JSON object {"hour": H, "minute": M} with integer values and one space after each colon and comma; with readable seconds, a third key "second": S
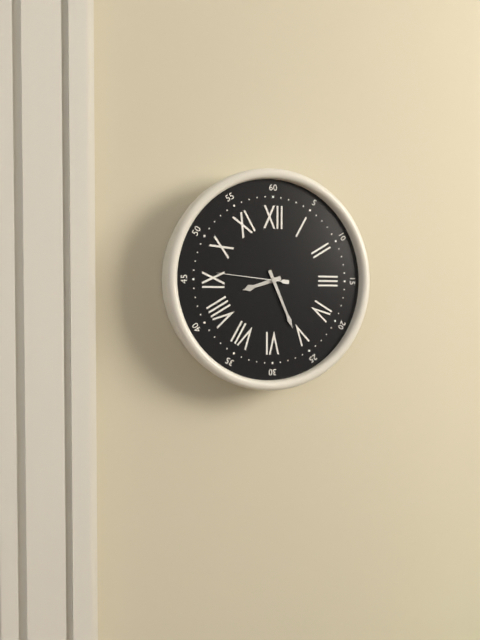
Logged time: {"hour": 8, "minute": 26, "second": 46}
